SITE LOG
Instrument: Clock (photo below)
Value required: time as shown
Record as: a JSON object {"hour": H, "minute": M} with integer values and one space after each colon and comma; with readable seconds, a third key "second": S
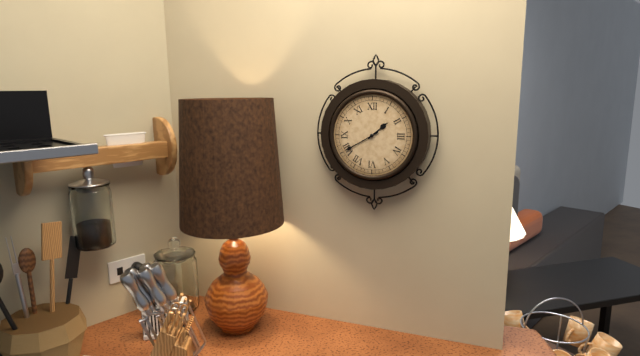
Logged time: {"hour": 1, "minute": 40}
